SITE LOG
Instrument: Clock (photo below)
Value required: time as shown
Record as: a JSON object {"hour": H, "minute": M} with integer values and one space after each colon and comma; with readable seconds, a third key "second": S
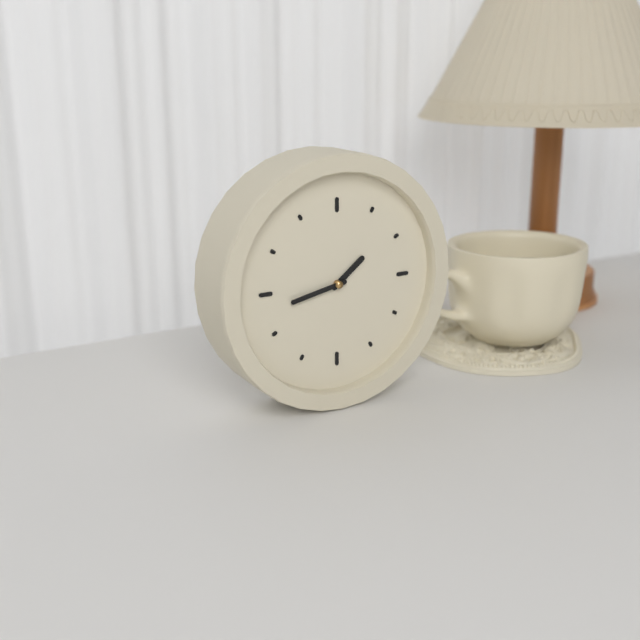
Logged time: {"hour": 1, "minute": 43}
